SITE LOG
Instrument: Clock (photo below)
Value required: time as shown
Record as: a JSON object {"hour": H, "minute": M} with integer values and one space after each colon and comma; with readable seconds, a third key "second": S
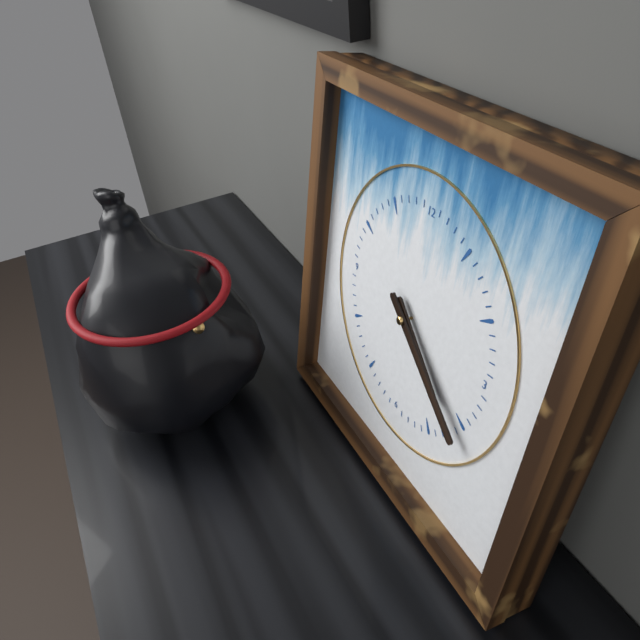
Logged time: {"hour": 4, "minute": 21}
